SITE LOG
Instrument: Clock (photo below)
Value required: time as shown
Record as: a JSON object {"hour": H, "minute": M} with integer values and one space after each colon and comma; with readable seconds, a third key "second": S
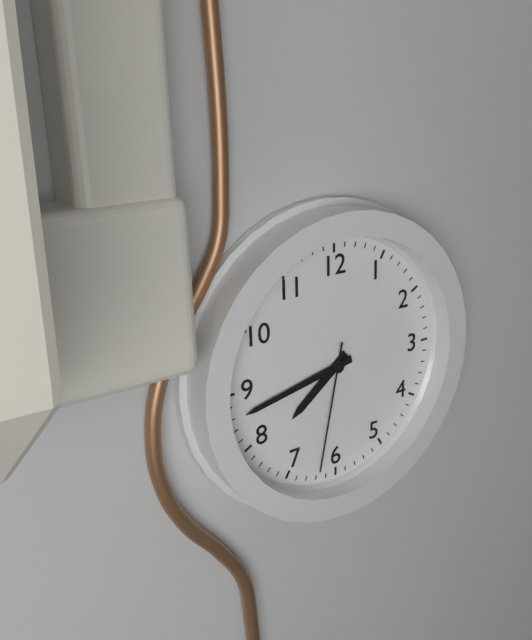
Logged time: {"hour": 7, "minute": 43, "second": 32}
